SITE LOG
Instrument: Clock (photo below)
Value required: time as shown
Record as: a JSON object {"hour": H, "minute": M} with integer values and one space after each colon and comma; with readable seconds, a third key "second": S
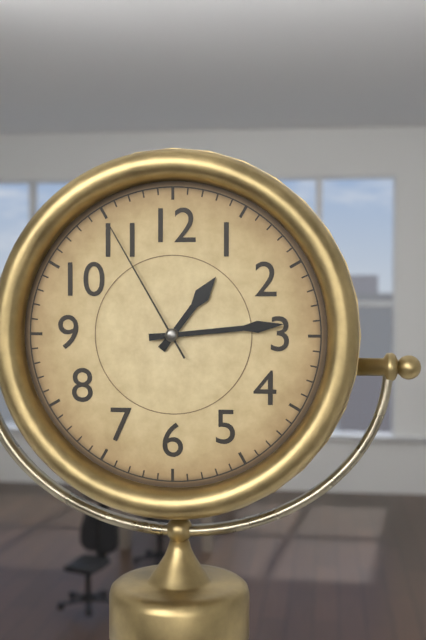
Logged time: {"hour": 1, "minute": 14, "second": 55}
